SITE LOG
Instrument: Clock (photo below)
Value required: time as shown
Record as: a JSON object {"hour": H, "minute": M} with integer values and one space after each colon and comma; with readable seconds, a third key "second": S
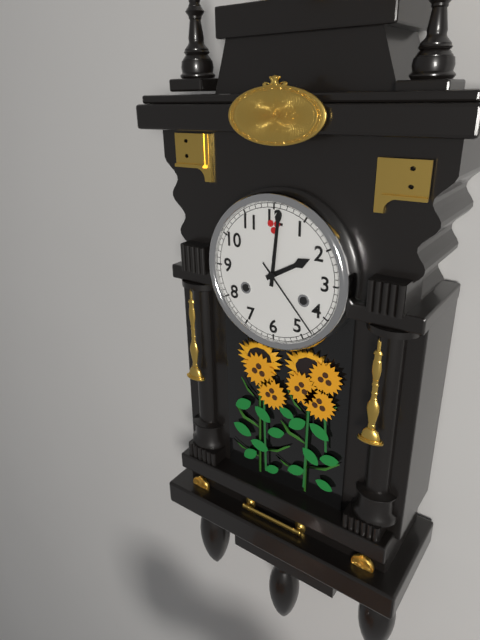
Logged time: {"hour": 2, "minute": 1, "second": 23}
